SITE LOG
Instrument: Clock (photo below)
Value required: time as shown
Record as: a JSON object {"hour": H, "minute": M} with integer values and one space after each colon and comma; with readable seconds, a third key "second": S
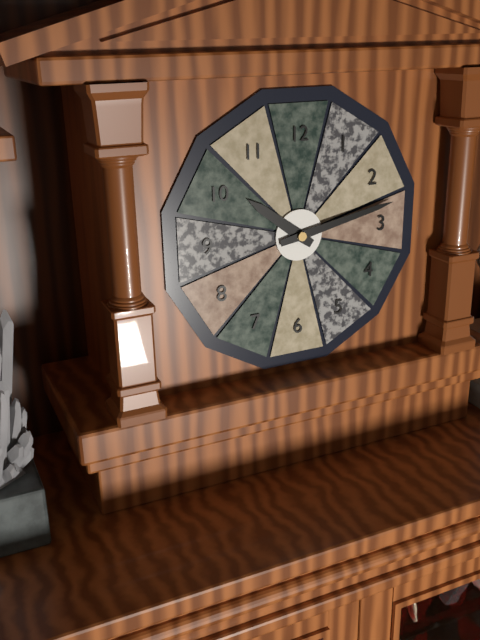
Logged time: {"hour": 10, "minute": 13}
